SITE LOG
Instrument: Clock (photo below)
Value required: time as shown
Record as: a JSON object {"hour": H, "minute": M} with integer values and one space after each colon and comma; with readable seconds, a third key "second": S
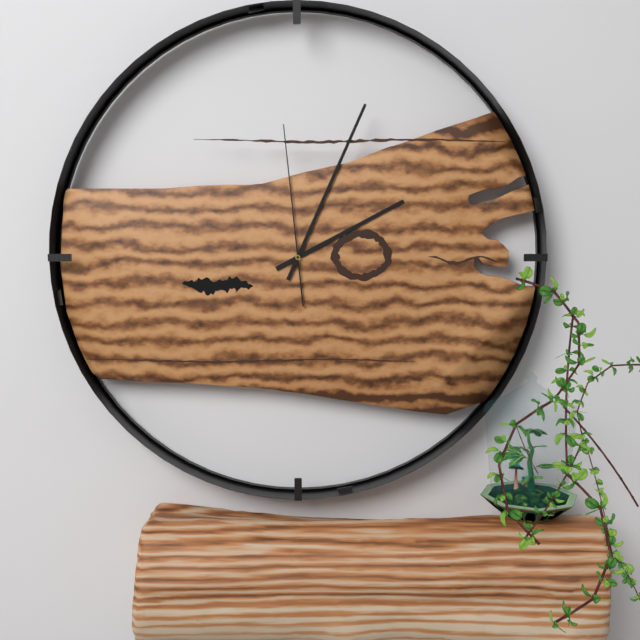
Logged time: {"hour": 2, "minute": 4, "second": 59}
